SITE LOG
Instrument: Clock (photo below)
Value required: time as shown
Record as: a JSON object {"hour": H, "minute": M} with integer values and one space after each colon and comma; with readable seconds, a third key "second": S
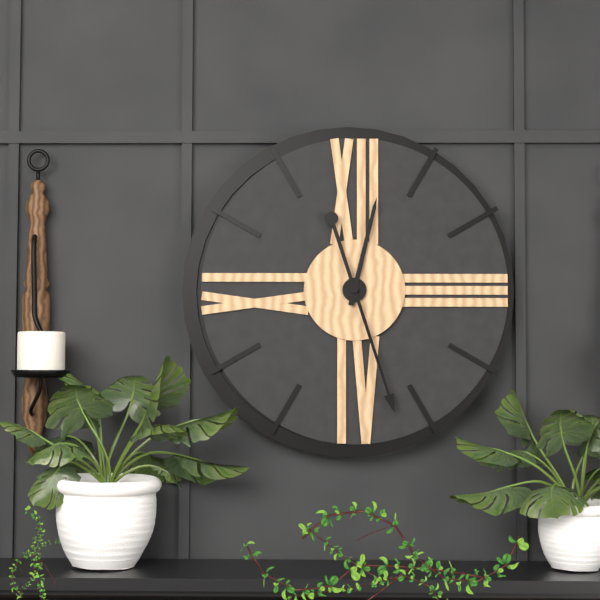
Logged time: {"hour": 12, "minute": 27}
